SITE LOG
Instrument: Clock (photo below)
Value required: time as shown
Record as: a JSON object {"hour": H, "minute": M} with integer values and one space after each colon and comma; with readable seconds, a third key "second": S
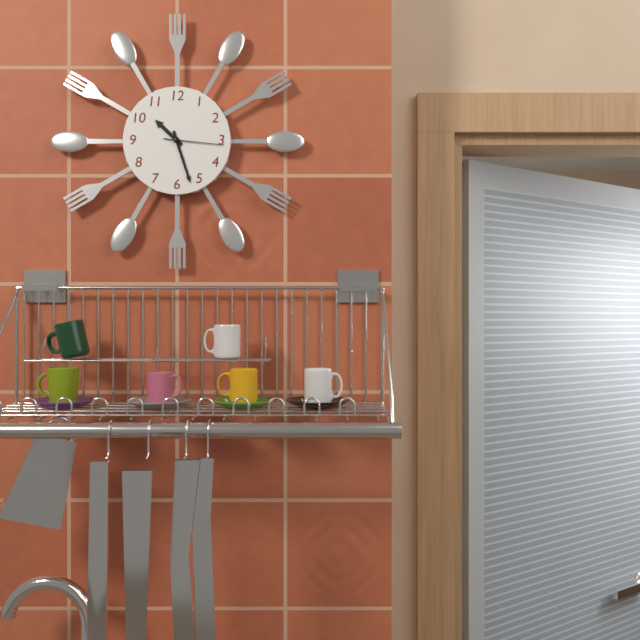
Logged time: {"hour": 10, "minute": 27, "second": 16}
